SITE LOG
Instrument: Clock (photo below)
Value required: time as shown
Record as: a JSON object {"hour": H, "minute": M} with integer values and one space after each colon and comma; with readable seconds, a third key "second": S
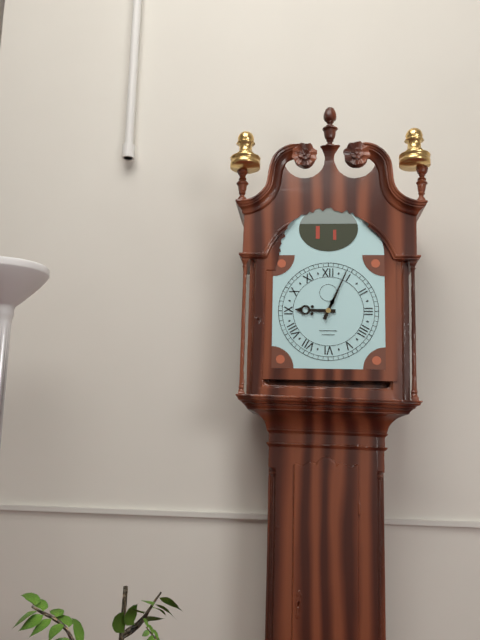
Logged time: {"hour": 9, "minute": 4}
